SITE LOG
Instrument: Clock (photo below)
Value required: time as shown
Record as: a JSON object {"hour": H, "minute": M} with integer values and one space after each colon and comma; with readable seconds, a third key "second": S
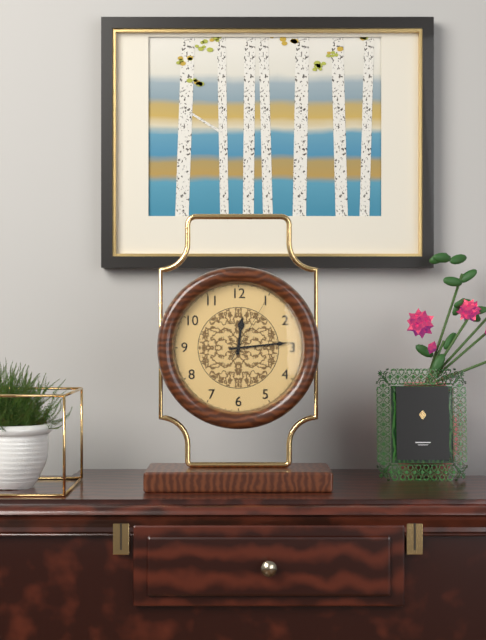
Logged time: {"hour": 12, "minute": 14, "second": 5}
